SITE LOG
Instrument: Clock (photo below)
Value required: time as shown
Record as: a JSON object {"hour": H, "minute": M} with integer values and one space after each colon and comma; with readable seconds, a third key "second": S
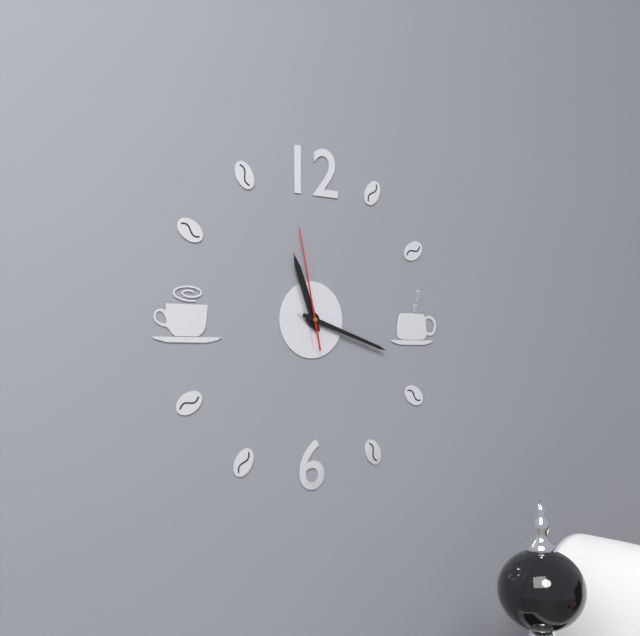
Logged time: {"hour": 11, "minute": 18, "second": 58}
